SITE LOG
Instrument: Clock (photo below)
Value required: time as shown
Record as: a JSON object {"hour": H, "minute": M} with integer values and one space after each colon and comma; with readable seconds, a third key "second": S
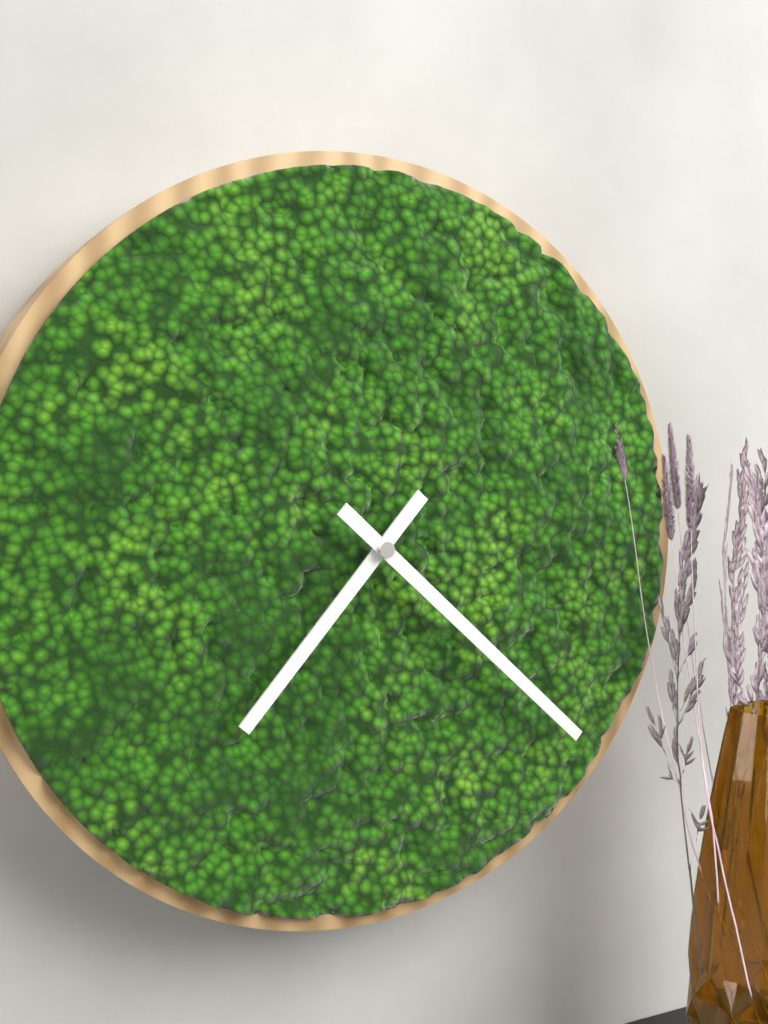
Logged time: {"hour": 7, "minute": 22}
